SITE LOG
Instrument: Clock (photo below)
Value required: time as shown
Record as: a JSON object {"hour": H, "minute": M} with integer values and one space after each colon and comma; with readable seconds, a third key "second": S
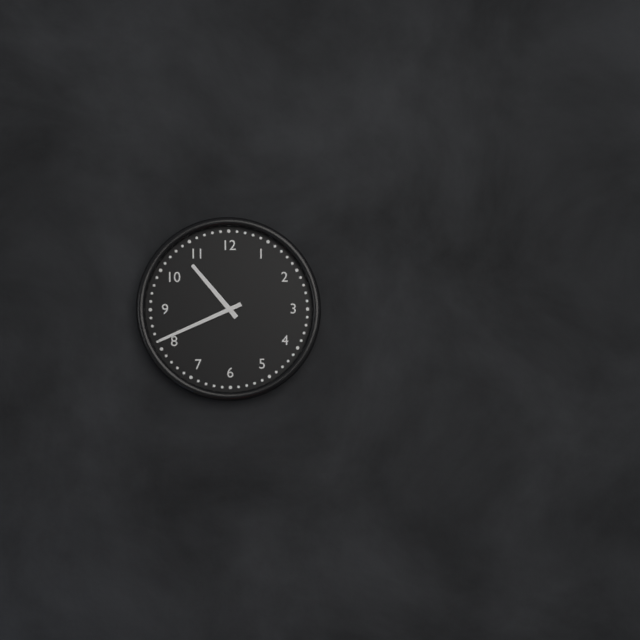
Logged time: {"hour": 10, "minute": 41}
